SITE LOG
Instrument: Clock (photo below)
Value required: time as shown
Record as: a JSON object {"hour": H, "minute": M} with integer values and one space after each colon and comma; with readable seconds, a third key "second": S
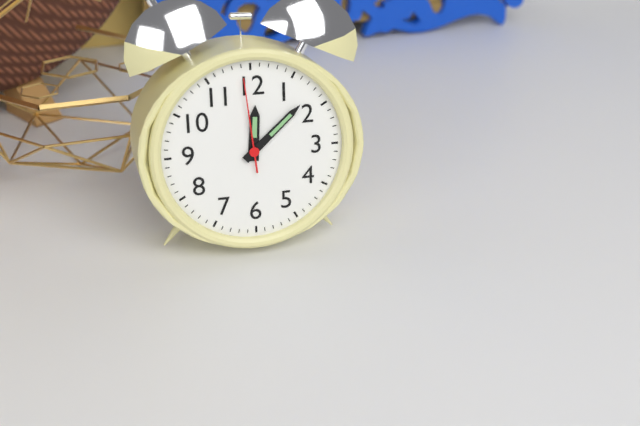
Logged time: {"hour": 12, "minute": 8, "second": 59}
